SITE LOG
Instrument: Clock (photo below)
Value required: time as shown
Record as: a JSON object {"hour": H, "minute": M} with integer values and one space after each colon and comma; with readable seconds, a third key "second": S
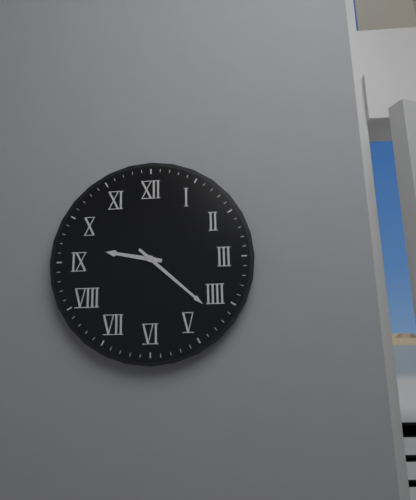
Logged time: {"hour": 9, "minute": 22}
